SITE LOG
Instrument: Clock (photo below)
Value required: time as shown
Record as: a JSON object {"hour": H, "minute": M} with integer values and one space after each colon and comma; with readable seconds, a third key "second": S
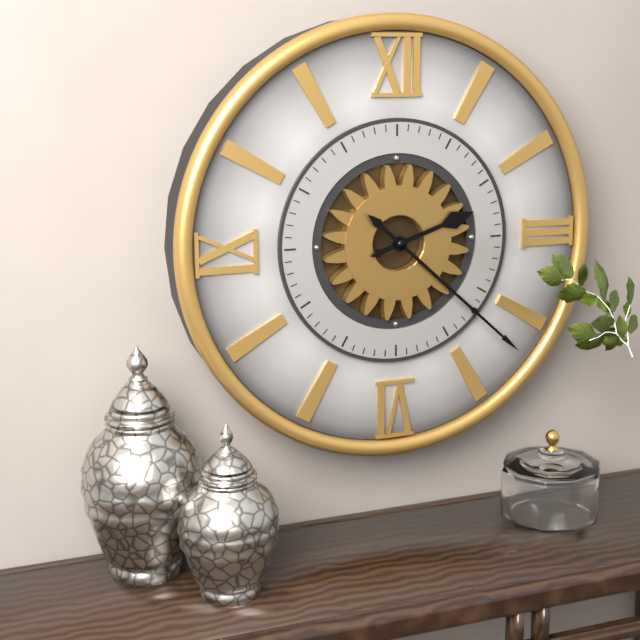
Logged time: {"hour": 2, "minute": 22}
